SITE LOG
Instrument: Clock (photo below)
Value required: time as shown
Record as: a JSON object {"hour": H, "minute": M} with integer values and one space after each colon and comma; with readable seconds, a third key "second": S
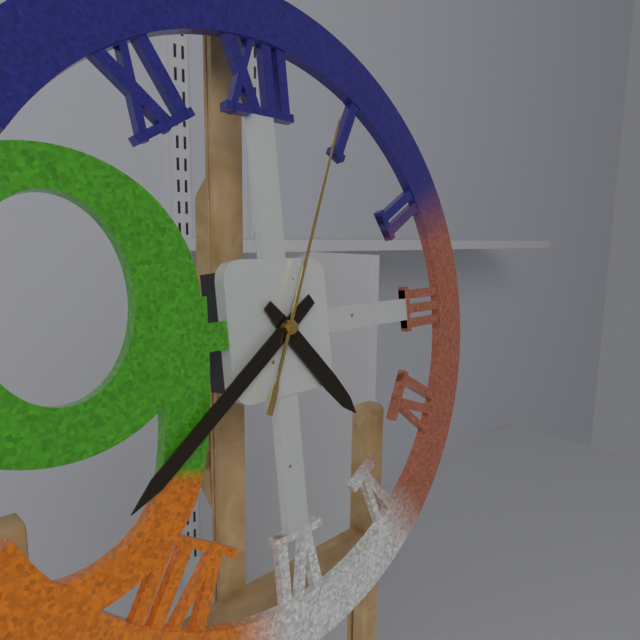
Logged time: {"hour": 4, "minute": 39, "second": 4}
